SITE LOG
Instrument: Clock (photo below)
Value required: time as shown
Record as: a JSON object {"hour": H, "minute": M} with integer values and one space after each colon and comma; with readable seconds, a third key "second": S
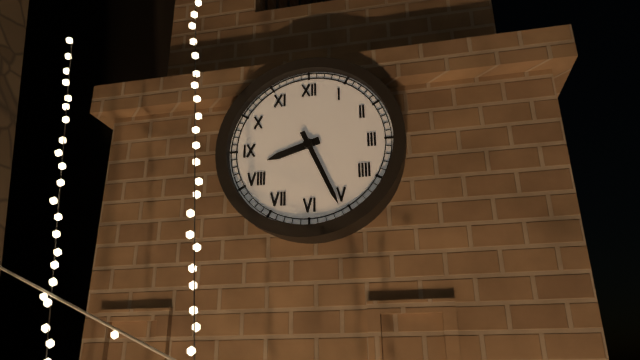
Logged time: {"hour": 8, "minute": 26}
